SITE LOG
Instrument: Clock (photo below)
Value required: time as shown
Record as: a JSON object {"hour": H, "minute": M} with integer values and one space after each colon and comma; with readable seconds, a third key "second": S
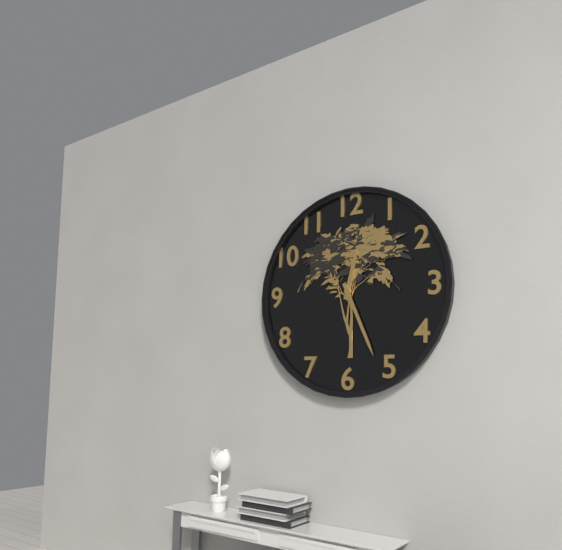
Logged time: {"hour": 12, "minute": 26}
